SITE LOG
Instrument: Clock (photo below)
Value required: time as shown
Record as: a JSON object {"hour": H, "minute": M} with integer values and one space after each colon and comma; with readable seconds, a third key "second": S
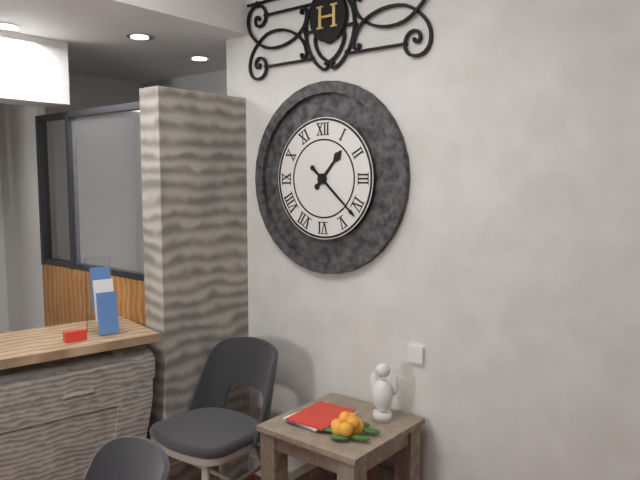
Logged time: {"hour": 1, "minute": 22}
